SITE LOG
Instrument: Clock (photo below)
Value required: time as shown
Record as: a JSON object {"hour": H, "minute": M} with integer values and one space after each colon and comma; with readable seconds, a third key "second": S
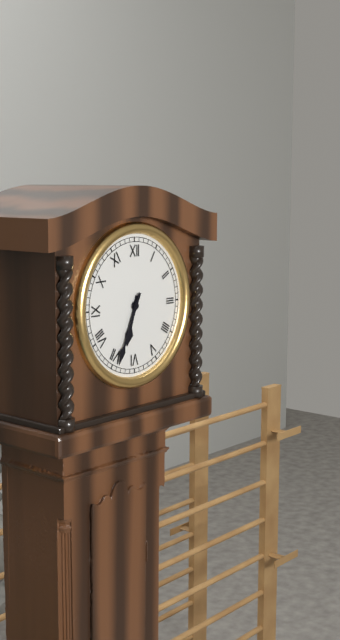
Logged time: {"hour": 6, "minute": 34}
